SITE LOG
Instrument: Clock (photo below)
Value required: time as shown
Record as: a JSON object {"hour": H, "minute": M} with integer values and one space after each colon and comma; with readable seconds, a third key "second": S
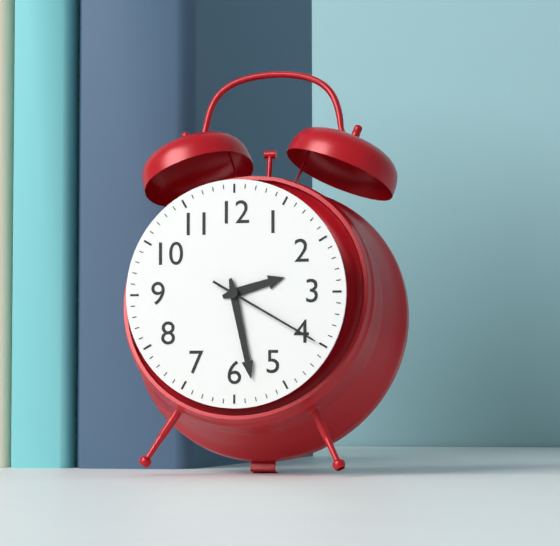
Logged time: {"hour": 2, "minute": 28, "second": 20}
